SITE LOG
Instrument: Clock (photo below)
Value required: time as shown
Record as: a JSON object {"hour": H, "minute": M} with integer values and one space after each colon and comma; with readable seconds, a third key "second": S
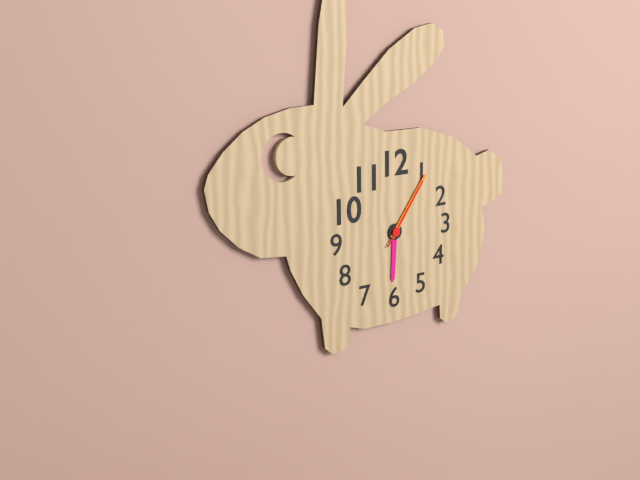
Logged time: {"hour": 6, "minute": 6, "second": 6}
